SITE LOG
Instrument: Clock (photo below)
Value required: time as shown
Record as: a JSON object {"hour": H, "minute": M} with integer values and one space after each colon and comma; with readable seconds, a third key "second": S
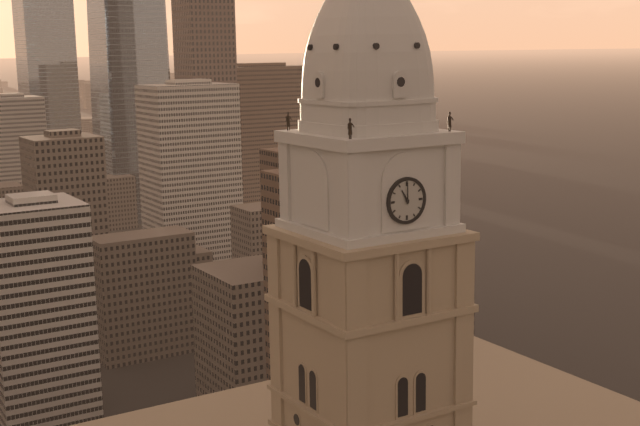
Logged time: {"hour": 11, "minute": 0}
